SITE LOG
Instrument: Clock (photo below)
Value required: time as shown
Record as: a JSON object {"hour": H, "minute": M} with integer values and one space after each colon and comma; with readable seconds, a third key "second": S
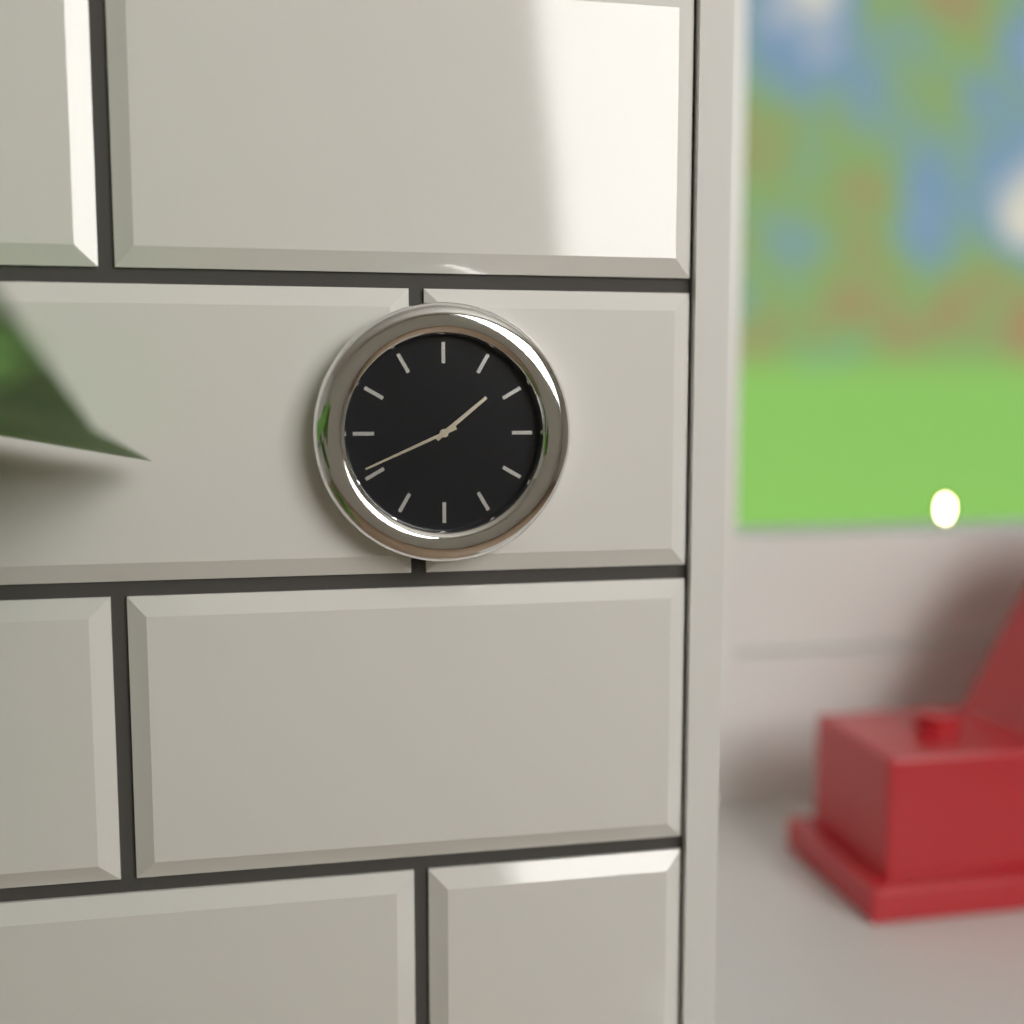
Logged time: {"hour": 1, "minute": 41}
